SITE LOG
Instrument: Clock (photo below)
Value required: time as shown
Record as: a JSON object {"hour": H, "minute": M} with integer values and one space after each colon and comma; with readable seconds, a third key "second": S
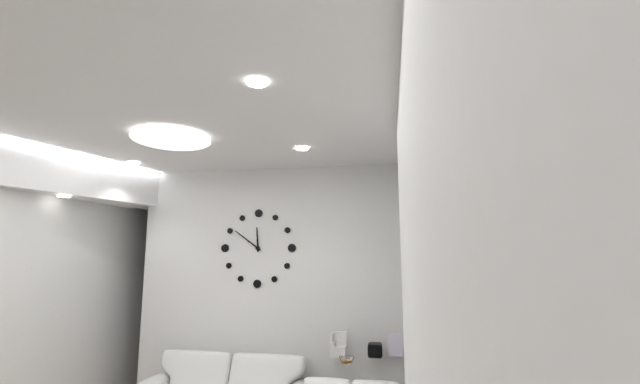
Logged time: {"hour": 11, "minute": 51}
